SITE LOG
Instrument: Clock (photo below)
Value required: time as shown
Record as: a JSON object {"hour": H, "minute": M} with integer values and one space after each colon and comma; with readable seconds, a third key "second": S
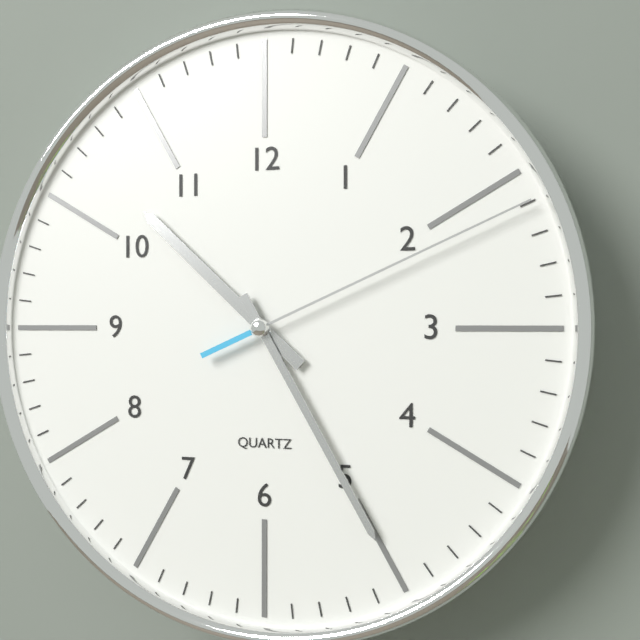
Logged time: {"hour": 10, "minute": 25, "second": 11}
